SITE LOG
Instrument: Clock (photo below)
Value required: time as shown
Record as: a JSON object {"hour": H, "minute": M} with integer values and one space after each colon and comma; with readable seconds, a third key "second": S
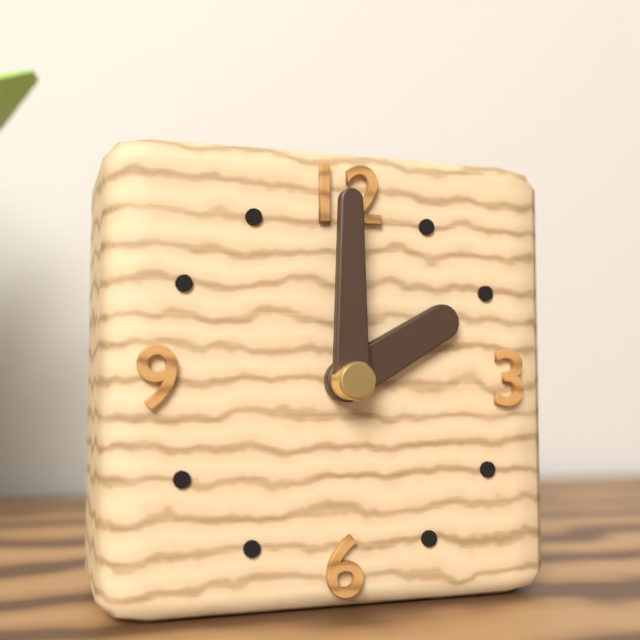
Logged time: {"hour": 2, "minute": 0}
